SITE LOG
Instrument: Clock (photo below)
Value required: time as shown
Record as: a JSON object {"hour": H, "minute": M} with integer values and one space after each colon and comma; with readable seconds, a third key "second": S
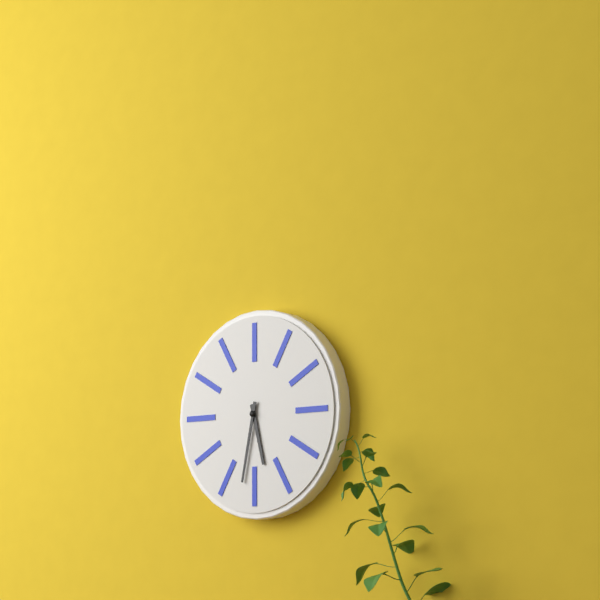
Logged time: {"hour": 5, "minute": 32}
